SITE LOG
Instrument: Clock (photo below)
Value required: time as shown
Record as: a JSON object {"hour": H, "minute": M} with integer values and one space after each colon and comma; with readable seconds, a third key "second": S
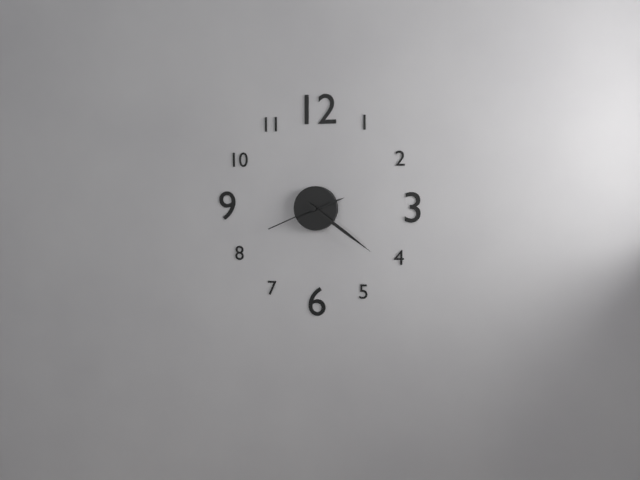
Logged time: {"hour": 2, "minute": 21, "second": 41}
